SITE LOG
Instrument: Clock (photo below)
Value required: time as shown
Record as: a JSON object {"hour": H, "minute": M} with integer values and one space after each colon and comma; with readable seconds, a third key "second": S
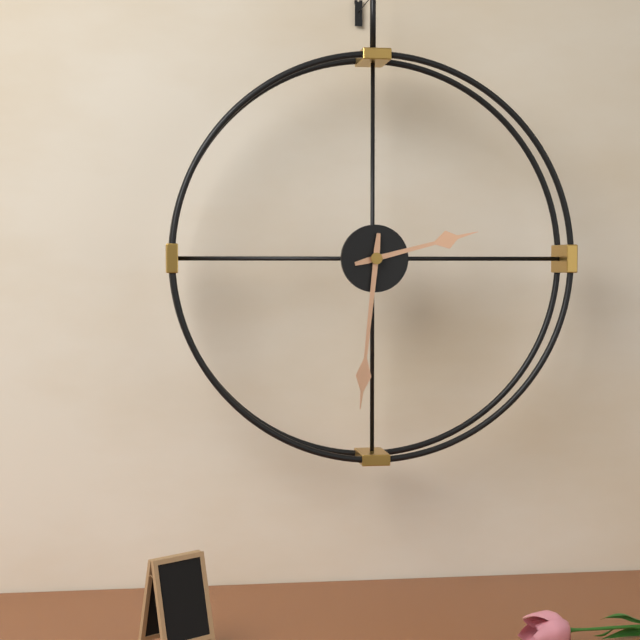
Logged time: {"hour": 2, "minute": 31}
